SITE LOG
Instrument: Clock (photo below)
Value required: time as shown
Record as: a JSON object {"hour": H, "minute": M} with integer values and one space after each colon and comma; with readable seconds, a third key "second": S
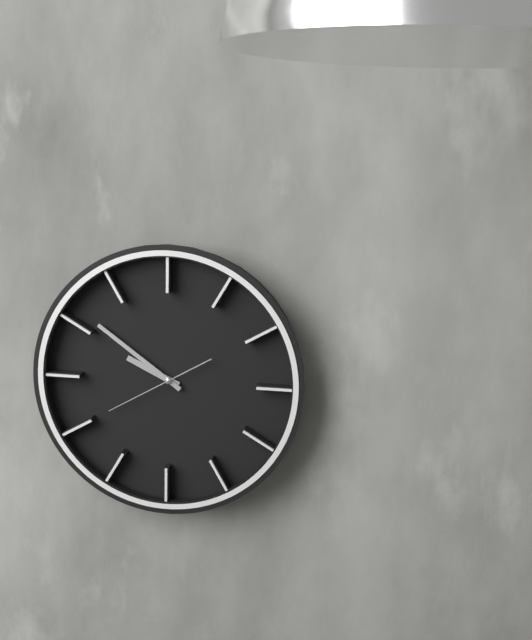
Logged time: {"hour": 9, "minute": 51, "second": 40}
